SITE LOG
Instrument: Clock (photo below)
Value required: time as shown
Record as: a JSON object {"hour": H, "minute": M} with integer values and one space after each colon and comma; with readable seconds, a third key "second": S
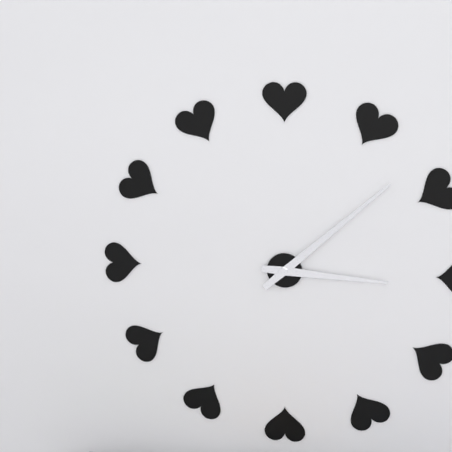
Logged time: {"hour": 3, "minute": 8}
